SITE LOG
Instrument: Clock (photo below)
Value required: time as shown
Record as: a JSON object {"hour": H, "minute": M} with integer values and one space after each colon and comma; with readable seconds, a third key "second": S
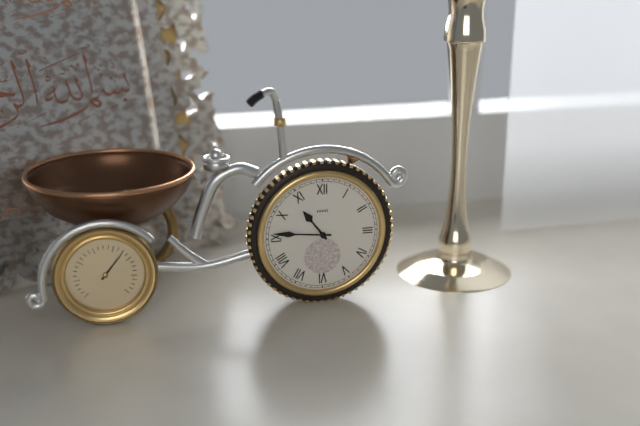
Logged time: {"hour": 10, "minute": 46}
